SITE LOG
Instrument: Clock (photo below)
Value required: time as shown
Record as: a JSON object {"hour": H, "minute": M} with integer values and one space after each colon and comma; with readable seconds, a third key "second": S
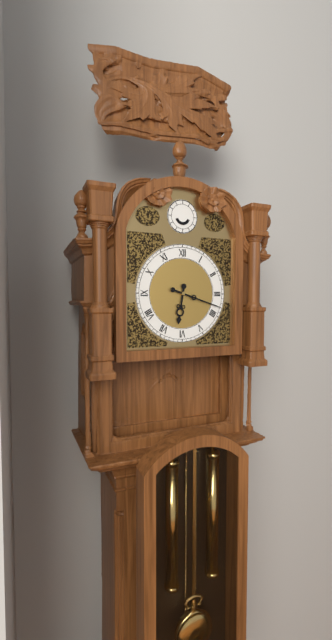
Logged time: {"hour": 6, "minute": 18}
